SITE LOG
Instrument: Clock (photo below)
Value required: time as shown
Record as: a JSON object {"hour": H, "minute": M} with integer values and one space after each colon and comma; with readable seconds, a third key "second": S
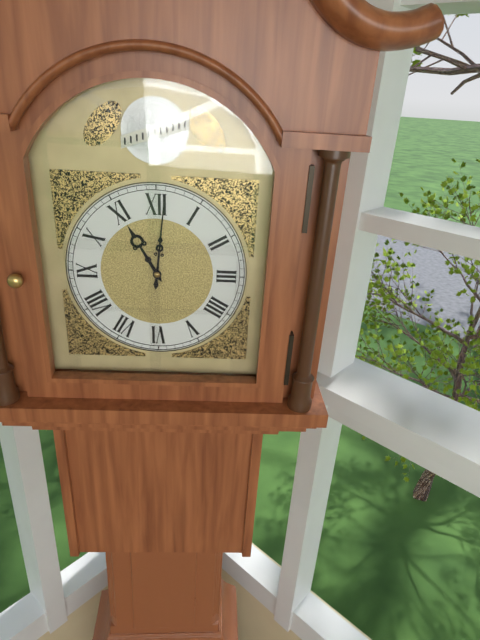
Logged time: {"hour": 11, "minute": 1}
